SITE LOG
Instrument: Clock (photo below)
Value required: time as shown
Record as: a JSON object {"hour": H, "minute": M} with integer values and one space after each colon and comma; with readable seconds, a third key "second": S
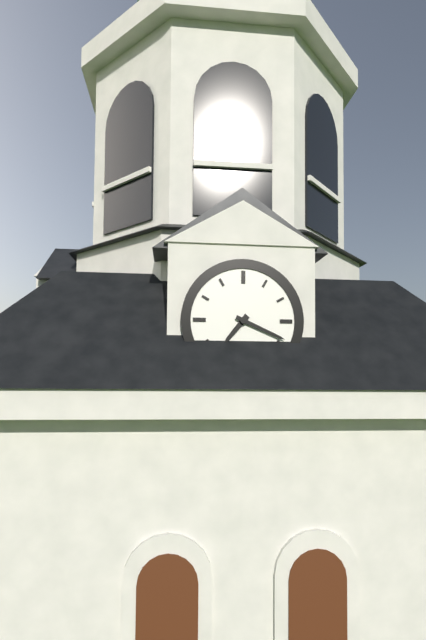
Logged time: {"hour": 7, "minute": 19}
